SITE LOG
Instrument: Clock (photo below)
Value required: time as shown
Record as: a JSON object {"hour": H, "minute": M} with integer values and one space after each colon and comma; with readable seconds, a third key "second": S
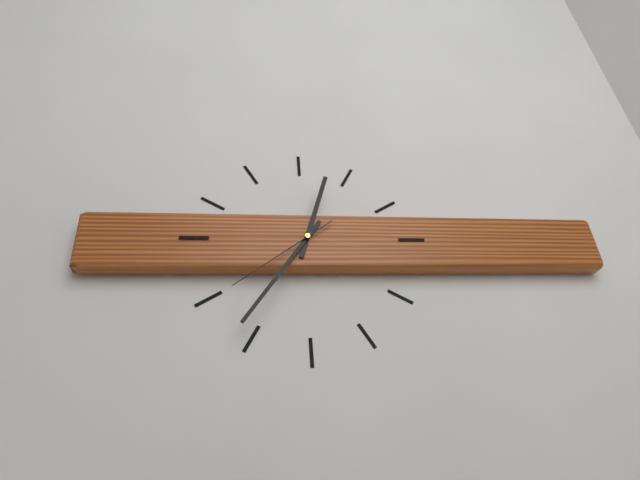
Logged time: {"hour": 12, "minute": 36, "second": 39}
